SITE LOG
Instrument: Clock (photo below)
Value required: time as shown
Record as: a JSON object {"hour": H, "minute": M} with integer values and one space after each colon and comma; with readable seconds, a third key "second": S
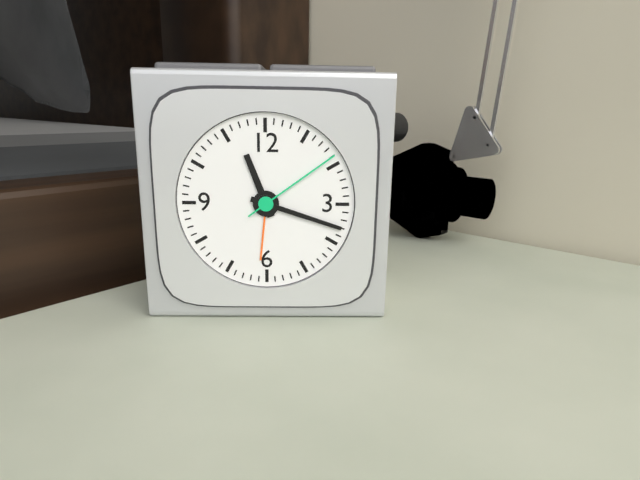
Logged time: {"hour": 11, "minute": 18, "second": 9}
